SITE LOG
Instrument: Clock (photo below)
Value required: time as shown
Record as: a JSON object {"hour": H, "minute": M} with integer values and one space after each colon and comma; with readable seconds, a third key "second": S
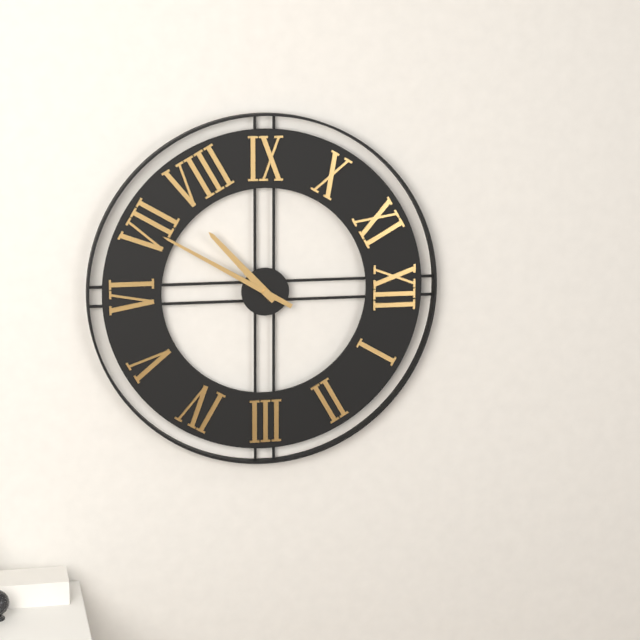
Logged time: {"hour": 7, "minute": 35}
